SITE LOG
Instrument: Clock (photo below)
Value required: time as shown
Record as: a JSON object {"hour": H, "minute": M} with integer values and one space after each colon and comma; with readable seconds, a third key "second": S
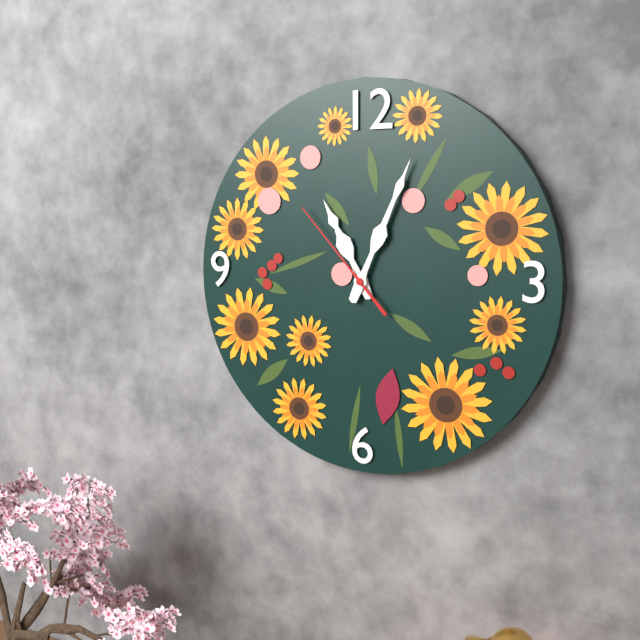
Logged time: {"hour": 11, "minute": 4, "second": 53}
